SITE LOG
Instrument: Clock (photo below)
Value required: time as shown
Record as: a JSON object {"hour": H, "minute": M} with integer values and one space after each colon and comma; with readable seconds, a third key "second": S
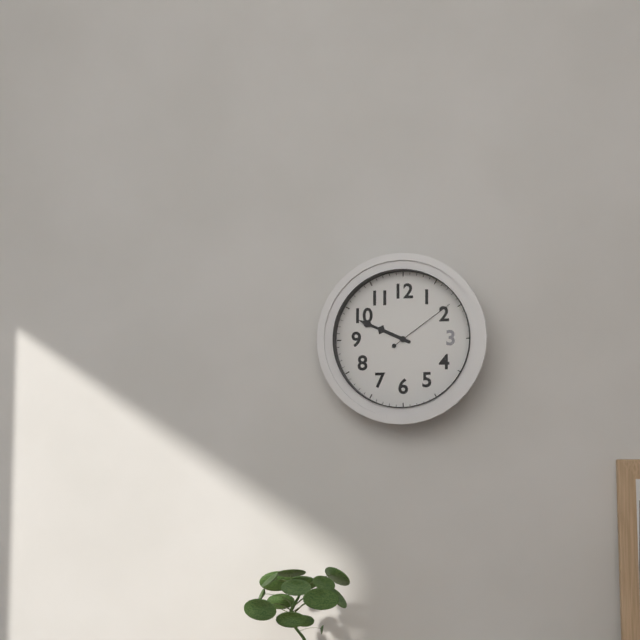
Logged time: {"hour": 9, "minute": 49, "second": 9}
